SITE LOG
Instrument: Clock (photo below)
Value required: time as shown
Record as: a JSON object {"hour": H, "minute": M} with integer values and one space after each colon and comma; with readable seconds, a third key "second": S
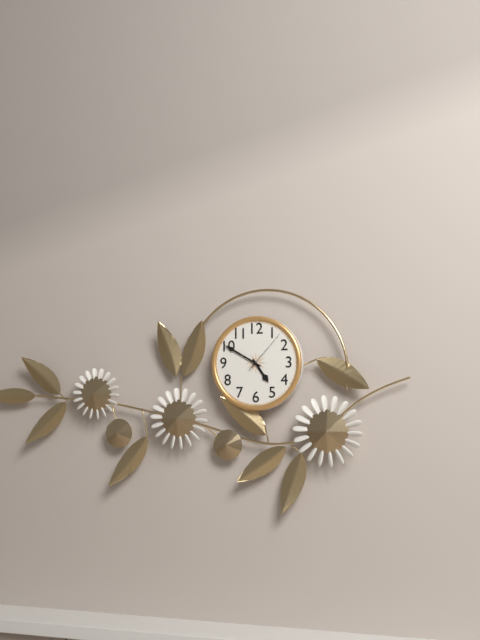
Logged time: {"hour": 4, "minute": 50}
